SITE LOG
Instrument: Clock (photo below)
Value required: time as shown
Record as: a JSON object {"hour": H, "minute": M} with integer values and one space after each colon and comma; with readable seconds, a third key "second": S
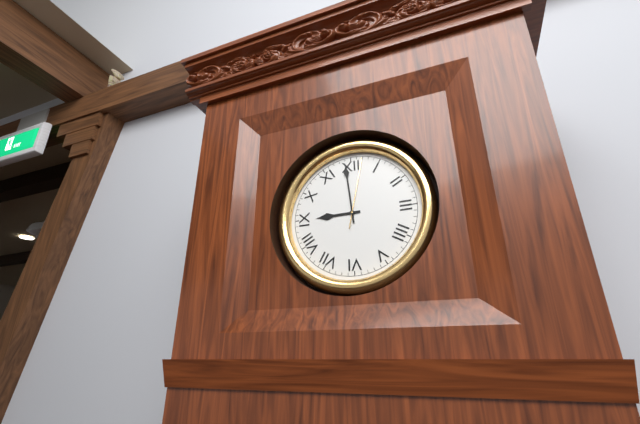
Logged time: {"hour": 8, "minute": 59, "second": 2}
